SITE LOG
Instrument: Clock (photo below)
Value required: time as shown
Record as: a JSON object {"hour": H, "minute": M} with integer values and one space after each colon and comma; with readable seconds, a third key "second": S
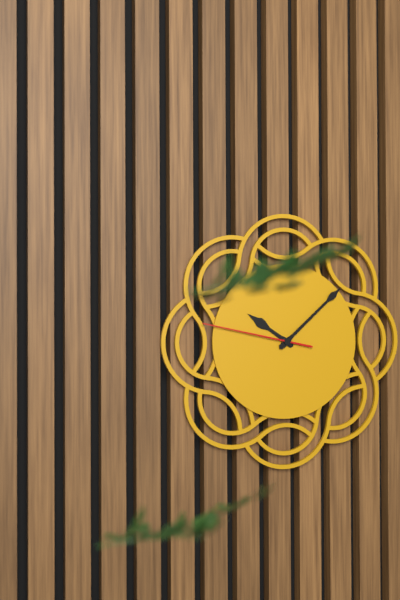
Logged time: {"hour": 10, "minute": 8, "second": 47}
